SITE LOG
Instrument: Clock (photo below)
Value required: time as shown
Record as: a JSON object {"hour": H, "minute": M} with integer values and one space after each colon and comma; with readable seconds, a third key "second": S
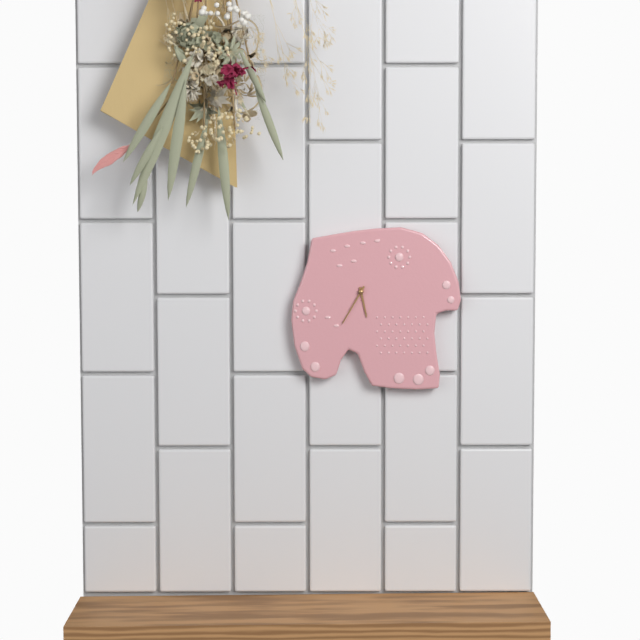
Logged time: {"hour": 5, "minute": 35}
